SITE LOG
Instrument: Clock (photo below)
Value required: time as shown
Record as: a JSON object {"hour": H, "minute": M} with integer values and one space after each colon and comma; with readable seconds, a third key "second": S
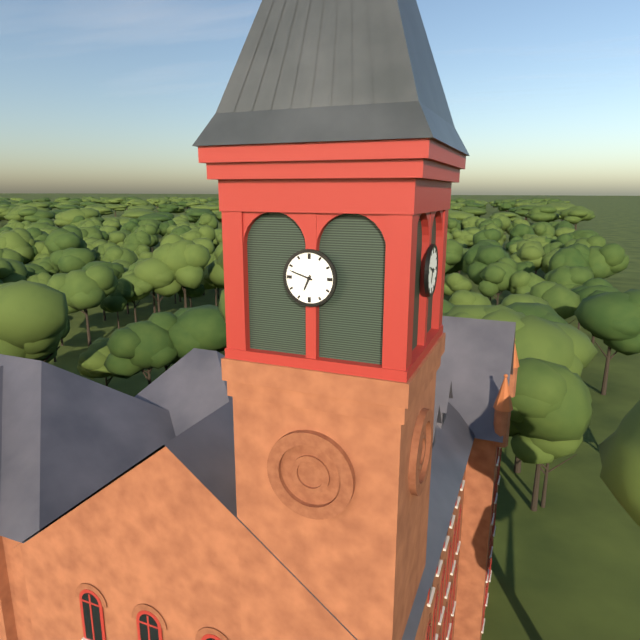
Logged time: {"hour": 6, "minute": 48}
